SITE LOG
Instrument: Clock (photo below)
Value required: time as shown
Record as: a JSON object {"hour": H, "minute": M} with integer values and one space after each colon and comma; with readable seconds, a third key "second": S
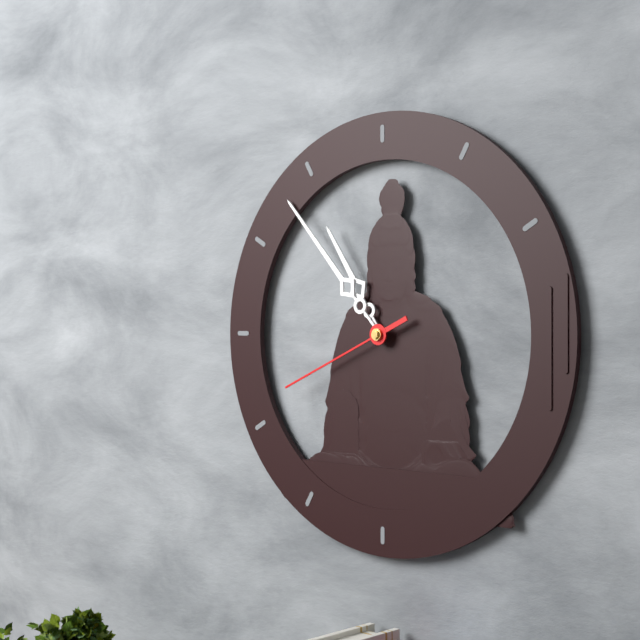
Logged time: {"hour": 10, "minute": 53, "second": 41}
